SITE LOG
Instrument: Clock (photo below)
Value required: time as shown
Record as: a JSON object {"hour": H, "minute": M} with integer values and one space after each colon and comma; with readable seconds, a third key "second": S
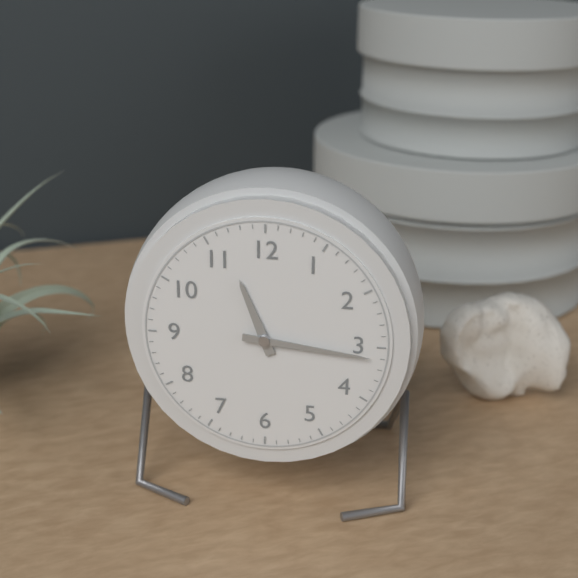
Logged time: {"hour": 11, "minute": 16}
